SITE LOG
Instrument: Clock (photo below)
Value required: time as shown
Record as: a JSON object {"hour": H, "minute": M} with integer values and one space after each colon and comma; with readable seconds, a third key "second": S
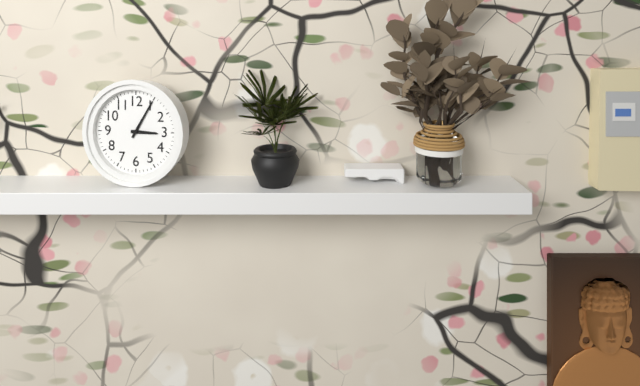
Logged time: {"hour": 3, "minute": 5}
